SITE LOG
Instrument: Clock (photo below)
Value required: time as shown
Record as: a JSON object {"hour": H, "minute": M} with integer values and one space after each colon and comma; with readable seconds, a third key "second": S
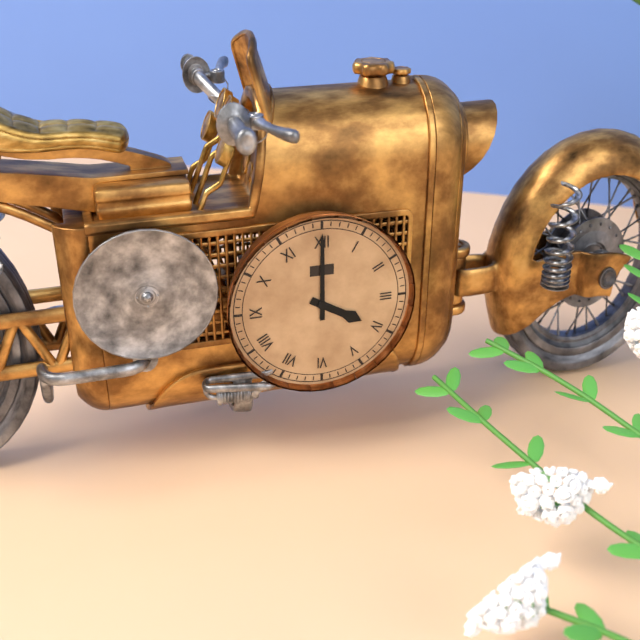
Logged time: {"hour": 4, "minute": 0}
